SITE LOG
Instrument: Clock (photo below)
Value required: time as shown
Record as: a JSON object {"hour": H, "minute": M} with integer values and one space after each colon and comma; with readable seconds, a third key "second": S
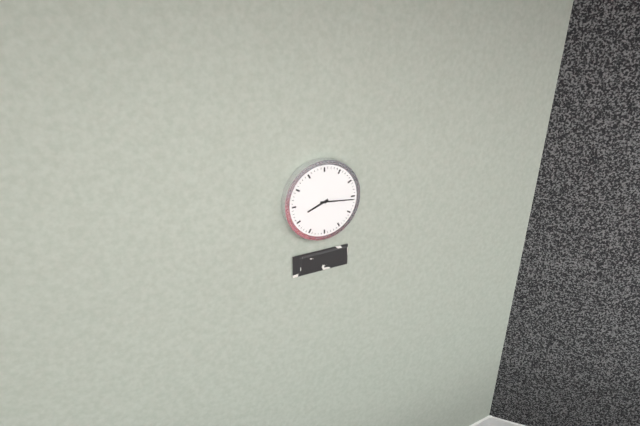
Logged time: {"hour": 8, "minute": 16}
